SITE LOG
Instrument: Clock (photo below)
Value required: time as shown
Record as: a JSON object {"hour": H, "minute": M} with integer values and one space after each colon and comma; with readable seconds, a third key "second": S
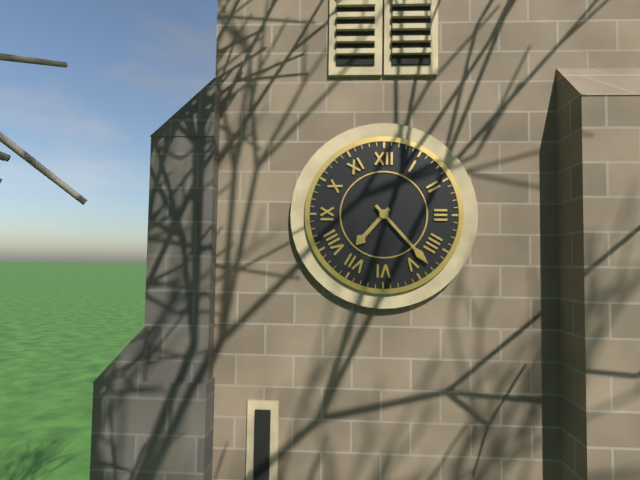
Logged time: {"hour": 7, "minute": 23}
